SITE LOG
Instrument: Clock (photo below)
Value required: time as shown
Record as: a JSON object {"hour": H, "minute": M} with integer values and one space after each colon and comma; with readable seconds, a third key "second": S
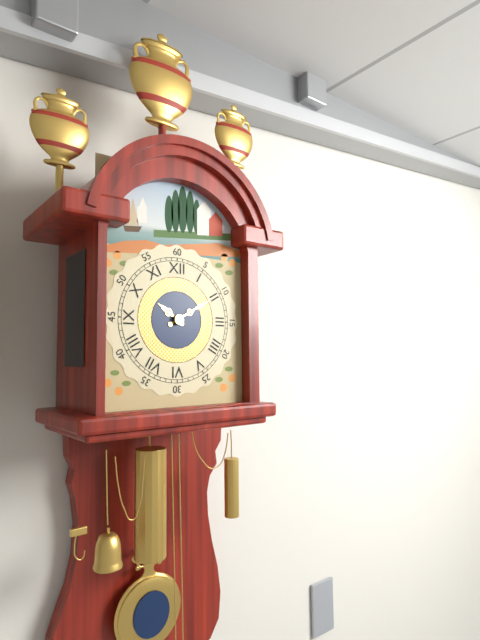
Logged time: {"hour": 10, "minute": 10}
